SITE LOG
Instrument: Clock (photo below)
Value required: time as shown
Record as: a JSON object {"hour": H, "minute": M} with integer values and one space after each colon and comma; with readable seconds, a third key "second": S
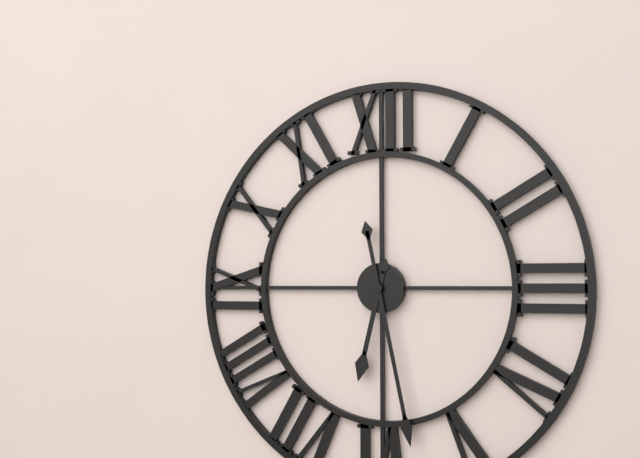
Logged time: {"hour": 6, "minute": 28}
